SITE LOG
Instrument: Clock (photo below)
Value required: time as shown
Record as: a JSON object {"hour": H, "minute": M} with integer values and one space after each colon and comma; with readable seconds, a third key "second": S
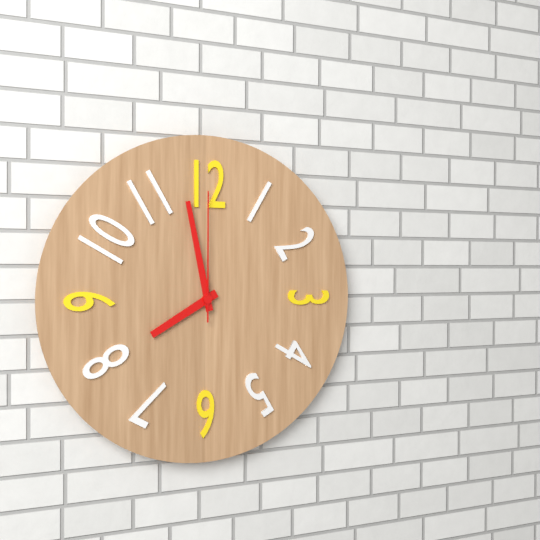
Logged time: {"hour": 7, "minute": 58, "second": 0}
